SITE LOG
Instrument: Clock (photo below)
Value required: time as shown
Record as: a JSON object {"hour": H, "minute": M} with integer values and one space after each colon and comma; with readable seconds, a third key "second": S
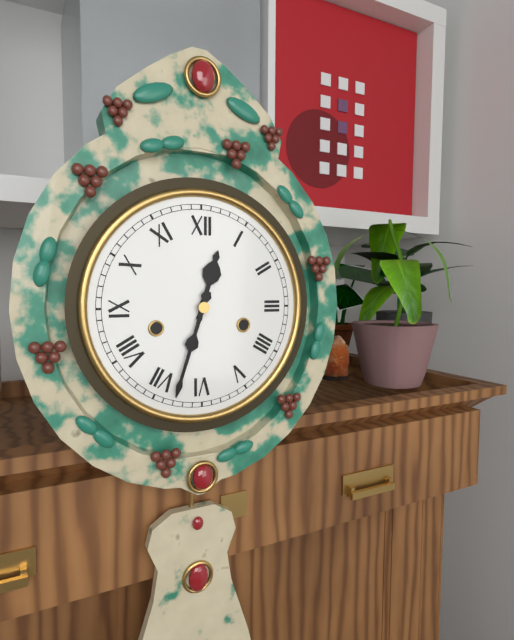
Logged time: {"hour": 12, "minute": 33}
